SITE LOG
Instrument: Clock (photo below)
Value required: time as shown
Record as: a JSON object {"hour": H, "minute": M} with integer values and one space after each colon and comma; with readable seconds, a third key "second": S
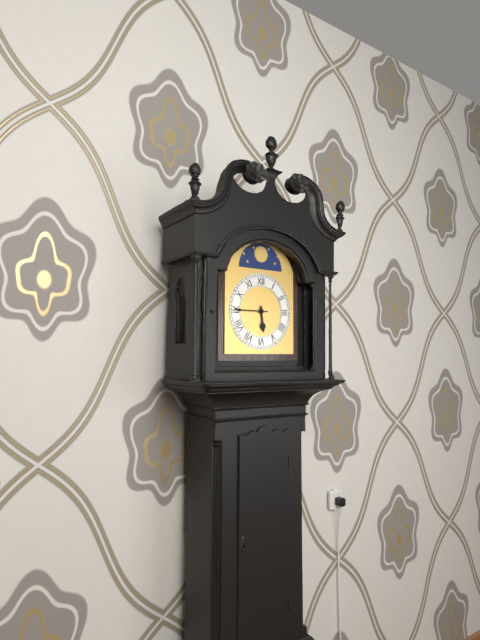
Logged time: {"hour": 5, "minute": 45}
